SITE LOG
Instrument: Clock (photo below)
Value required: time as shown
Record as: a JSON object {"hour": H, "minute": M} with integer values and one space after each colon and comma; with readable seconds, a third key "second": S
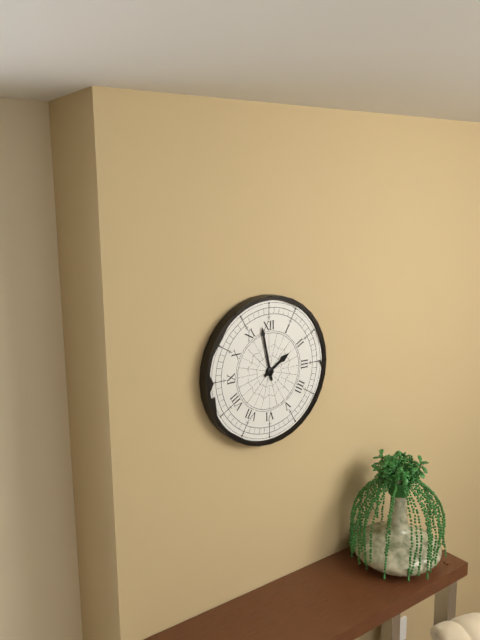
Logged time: {"hour": 1, "minute": 58}
